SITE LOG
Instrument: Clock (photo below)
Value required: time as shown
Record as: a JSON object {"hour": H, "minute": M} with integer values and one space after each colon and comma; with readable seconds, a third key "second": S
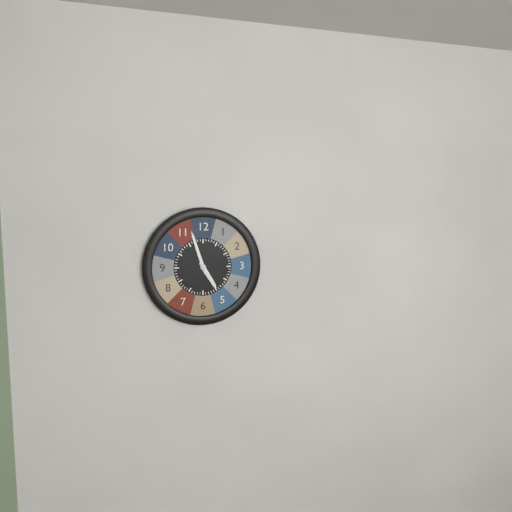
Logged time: {"hour": 4, "minute": 57}
